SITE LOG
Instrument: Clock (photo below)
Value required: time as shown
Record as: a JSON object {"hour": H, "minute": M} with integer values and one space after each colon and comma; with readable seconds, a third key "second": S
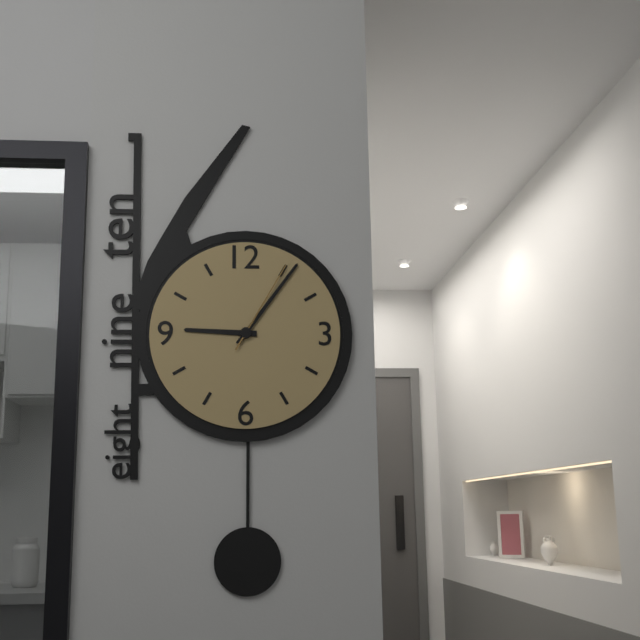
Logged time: {"hour": 9, "minute": 6, "second": 5}
